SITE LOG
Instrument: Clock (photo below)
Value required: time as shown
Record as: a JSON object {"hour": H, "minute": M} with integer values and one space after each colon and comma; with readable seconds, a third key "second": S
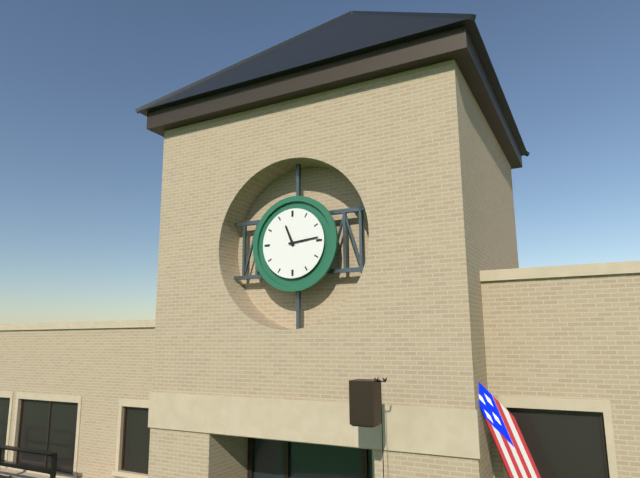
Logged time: {"hour": 11, "minute": 14}
